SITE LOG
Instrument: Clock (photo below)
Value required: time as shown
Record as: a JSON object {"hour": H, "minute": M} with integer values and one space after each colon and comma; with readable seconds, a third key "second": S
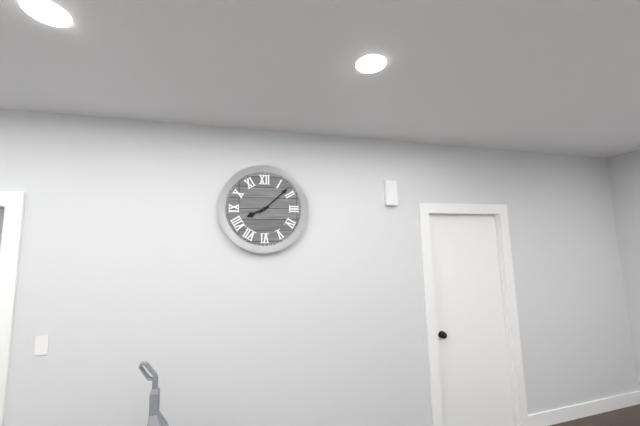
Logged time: {"hour": 8, "minute": 8}
